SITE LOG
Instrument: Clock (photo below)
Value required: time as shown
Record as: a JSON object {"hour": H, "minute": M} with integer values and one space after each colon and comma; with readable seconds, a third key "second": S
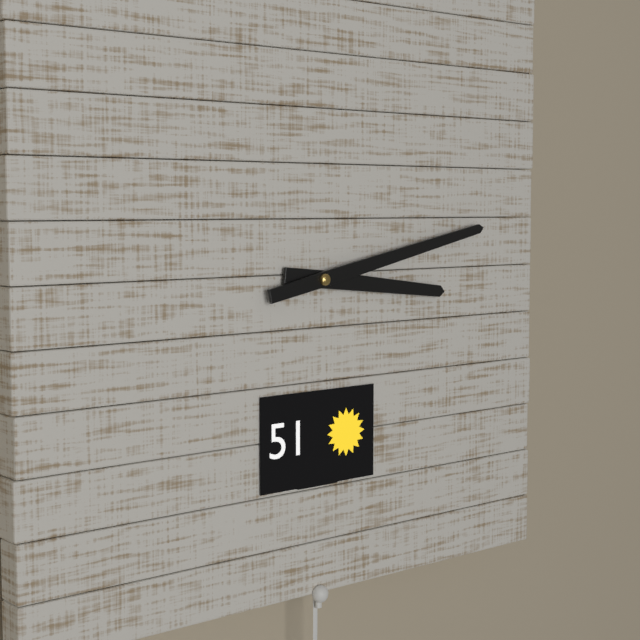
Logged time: {"hour": 3, "minute": 13}
